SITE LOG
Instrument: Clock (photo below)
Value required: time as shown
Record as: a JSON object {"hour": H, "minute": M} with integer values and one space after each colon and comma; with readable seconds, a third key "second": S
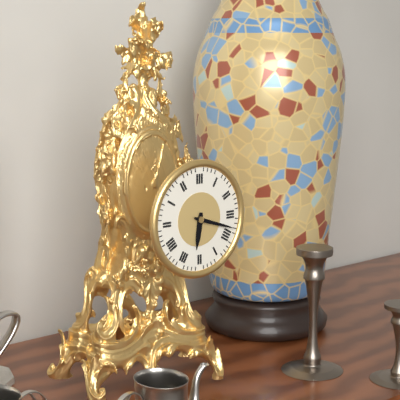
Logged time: {"hour": 6, "minute": 18}
